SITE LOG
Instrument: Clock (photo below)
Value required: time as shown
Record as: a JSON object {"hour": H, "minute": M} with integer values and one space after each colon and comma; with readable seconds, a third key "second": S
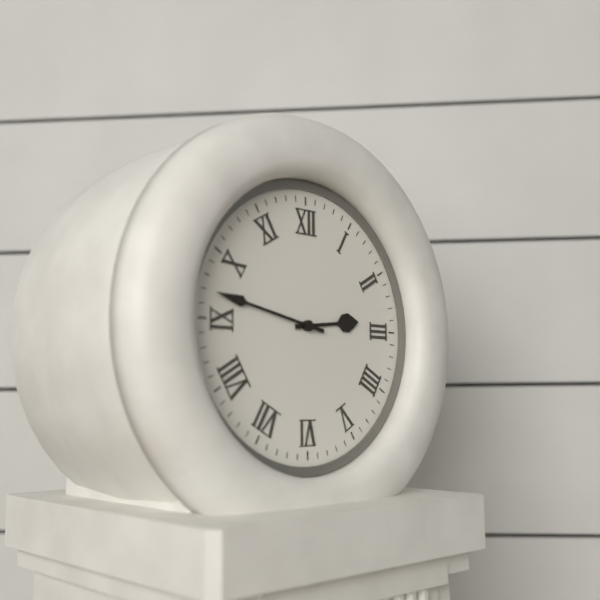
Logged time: {"hour": 2, "minute": 47}
